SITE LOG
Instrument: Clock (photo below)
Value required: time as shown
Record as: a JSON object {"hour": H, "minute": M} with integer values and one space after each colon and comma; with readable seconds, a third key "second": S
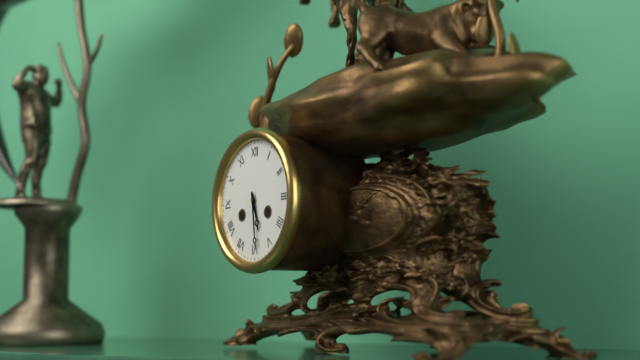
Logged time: {"hour": 5, "minute": 29}
